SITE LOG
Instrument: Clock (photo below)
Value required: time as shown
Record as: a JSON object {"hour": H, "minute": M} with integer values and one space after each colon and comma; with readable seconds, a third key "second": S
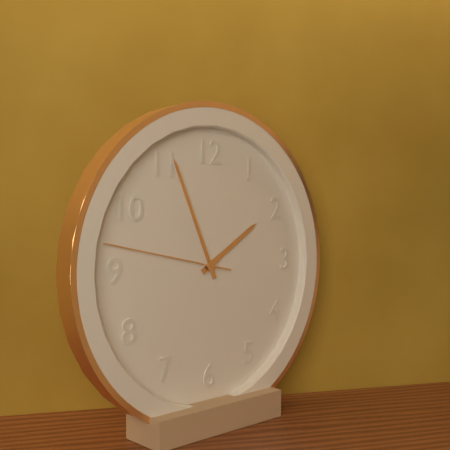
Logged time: {"hour": 1, "minute": 56, "second": 47}
